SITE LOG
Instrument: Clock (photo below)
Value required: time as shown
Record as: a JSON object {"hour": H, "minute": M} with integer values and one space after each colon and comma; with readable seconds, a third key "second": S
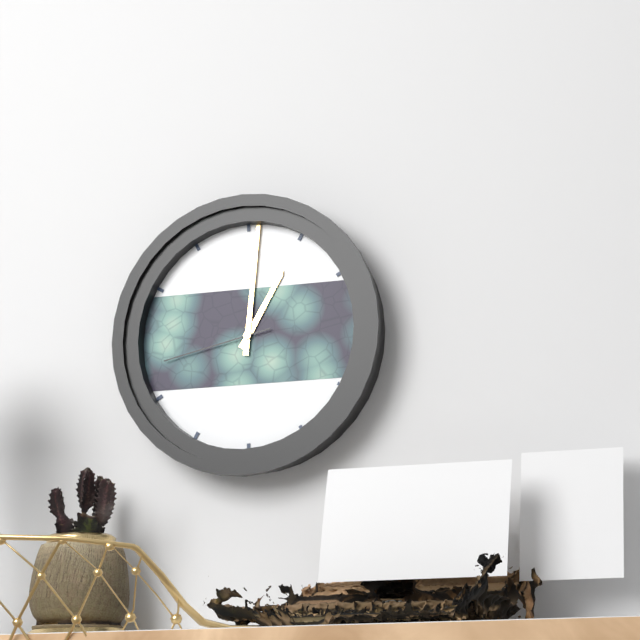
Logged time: {"hour": 1, "minute": 1, "second": 43}
